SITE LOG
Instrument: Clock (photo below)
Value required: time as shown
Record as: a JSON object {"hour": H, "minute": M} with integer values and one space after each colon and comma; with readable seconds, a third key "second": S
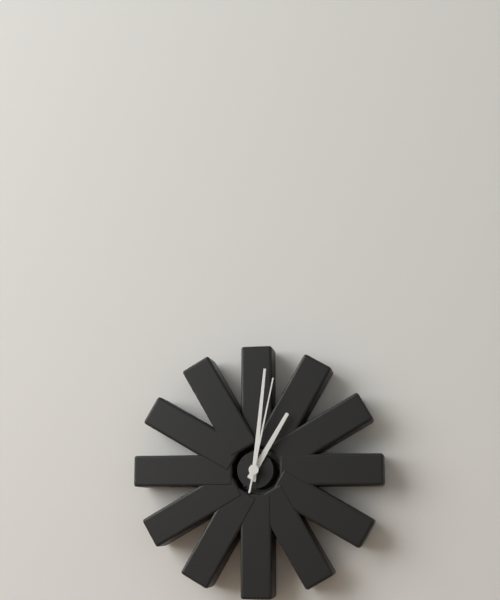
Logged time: {"hour": 1, "minute": 1, "second": 2}
